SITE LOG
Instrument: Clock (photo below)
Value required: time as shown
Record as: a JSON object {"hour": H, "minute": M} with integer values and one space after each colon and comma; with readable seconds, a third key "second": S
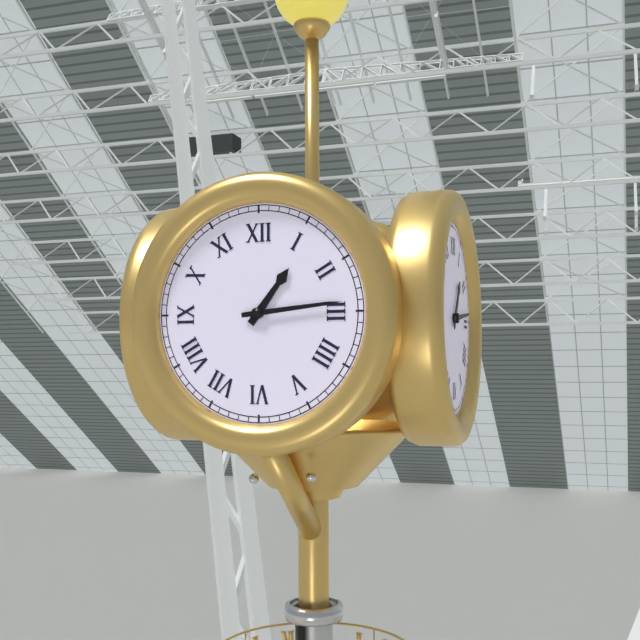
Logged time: {"hour": 1, "minute": 14}
